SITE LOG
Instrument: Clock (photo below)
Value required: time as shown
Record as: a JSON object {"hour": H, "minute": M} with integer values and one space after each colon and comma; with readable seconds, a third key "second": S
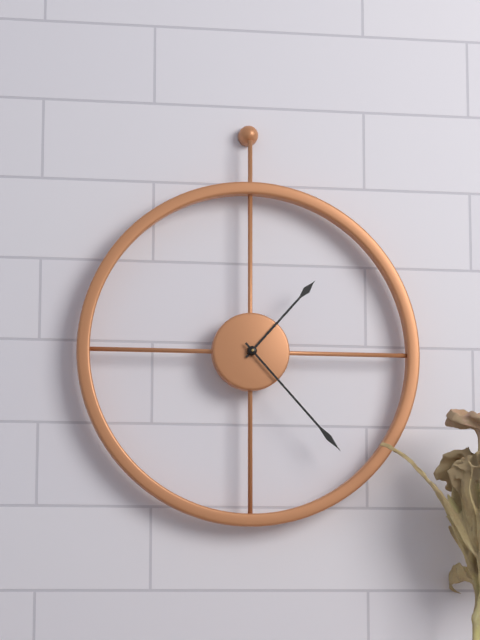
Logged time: {"hour": 1, "minute": 23}
